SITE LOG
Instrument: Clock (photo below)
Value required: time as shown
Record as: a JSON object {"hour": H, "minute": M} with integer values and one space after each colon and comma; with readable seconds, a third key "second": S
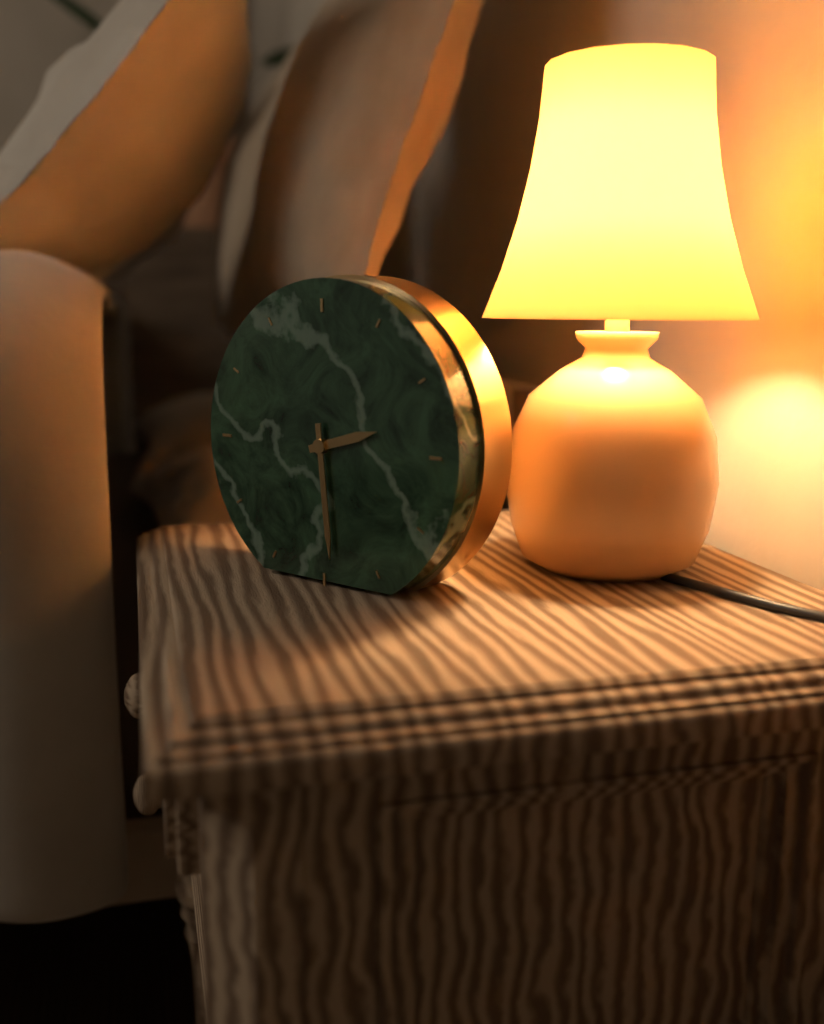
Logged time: {"hour": 2, "minute": 29}
